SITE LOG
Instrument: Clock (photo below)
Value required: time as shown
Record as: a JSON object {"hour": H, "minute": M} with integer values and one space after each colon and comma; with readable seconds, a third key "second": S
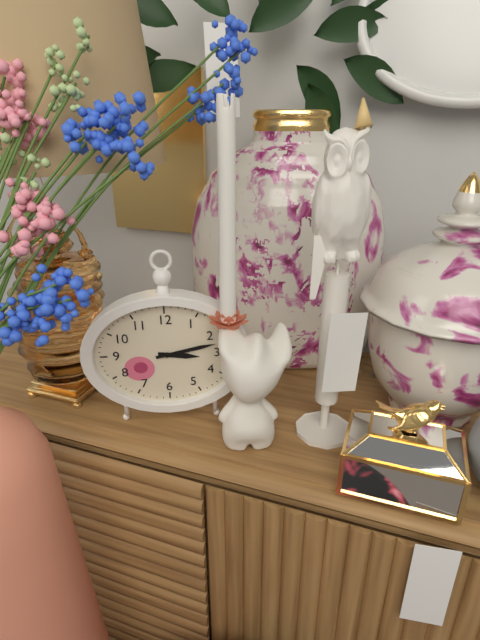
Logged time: {"hour": 3, "minute": 13}
